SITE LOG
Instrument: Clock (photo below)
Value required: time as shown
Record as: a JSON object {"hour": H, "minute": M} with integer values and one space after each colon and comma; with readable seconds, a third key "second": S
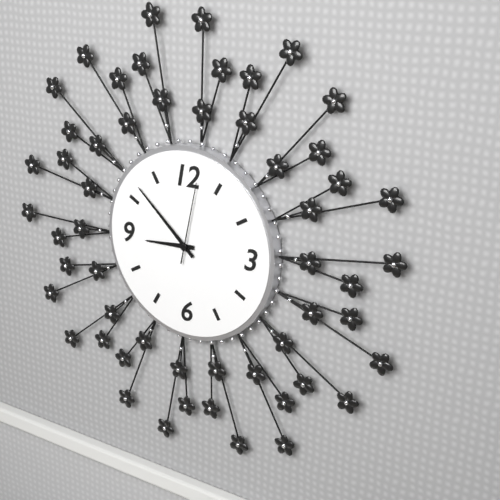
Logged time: {"hour": 8, "minute": 52, "second": 2}
